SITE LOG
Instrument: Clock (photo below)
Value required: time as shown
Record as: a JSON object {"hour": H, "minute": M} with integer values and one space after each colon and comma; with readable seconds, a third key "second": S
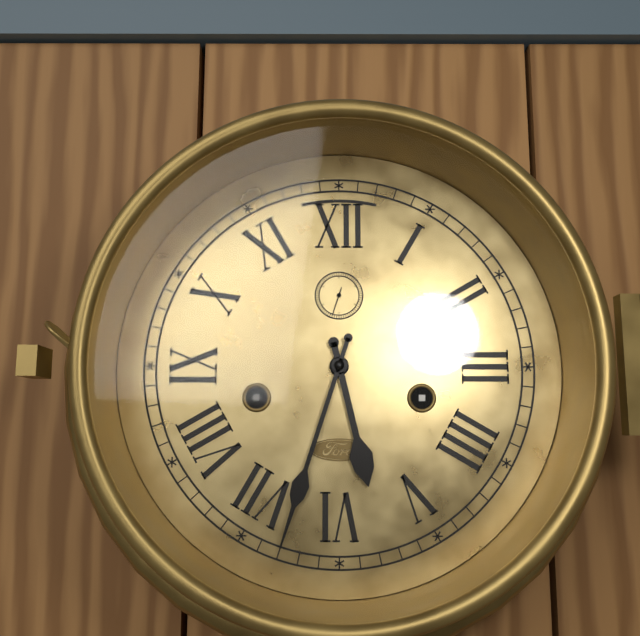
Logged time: {"hour": 5, "minute": 33}
